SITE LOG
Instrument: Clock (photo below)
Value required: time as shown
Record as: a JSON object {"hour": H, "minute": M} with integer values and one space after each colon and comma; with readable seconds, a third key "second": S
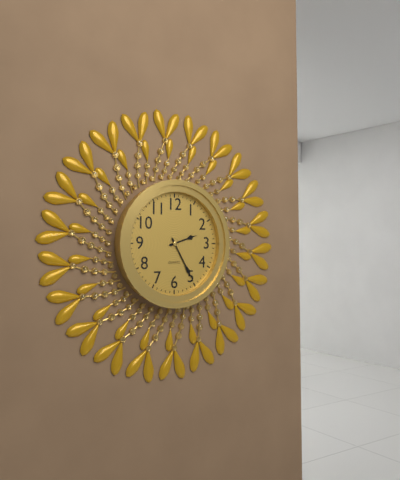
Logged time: {"hour": 2, "minute": 25}
